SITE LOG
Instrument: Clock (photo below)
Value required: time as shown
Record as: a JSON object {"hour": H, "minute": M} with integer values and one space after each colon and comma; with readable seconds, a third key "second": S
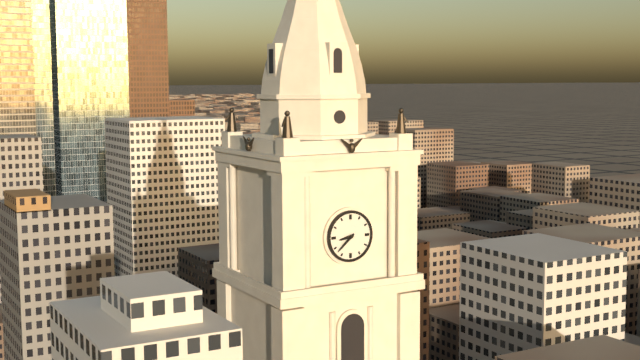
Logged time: {"hour": 8, "minute": 38}
